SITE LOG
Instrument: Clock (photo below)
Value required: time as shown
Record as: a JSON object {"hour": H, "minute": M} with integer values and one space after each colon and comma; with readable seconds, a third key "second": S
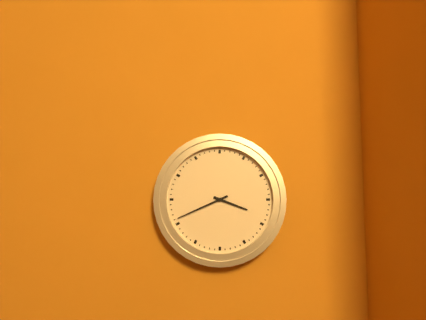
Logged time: {"hour": 3, "minute": 41}
